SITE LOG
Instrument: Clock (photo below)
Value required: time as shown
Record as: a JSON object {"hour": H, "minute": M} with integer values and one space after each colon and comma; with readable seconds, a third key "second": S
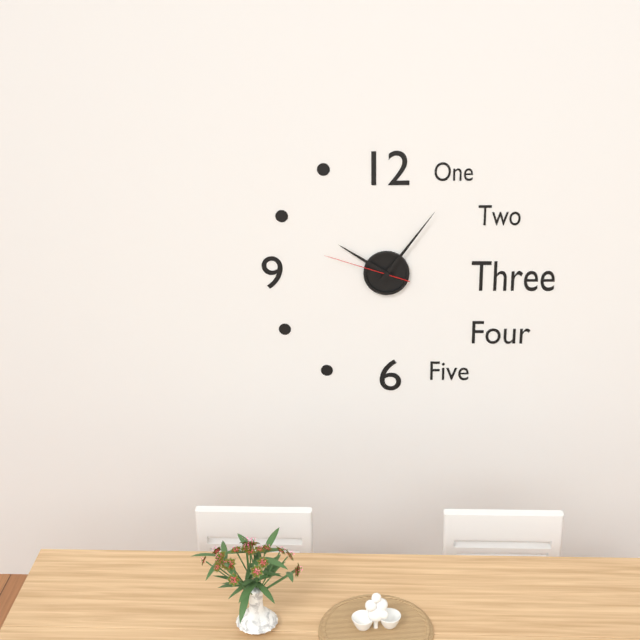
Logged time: {"hour": 10, "minute": 6, "second": 48}
